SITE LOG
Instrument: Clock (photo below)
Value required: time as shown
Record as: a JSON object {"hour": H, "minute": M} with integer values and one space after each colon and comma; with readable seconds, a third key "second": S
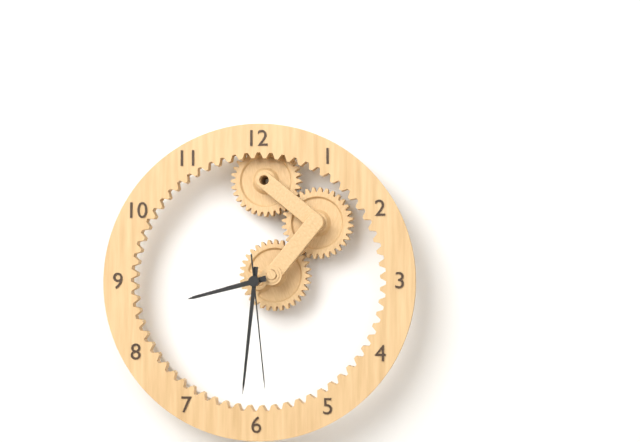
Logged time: {"hour": 8, "minute": 31, "second": 29}
